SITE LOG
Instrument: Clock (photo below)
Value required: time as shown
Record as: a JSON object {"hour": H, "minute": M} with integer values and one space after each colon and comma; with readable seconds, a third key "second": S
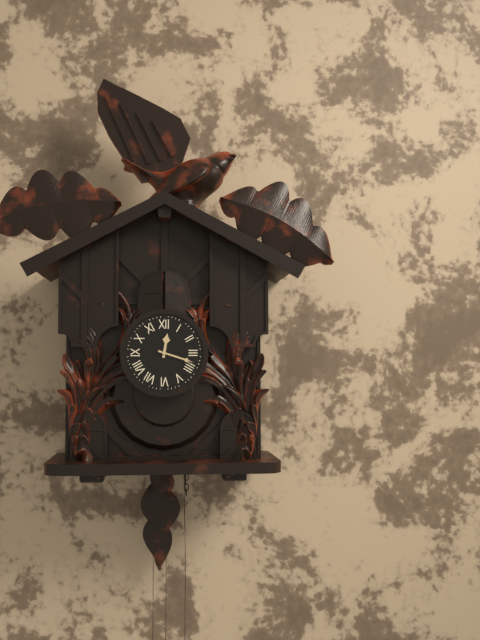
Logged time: {"hour": 12, "minute": 18}
